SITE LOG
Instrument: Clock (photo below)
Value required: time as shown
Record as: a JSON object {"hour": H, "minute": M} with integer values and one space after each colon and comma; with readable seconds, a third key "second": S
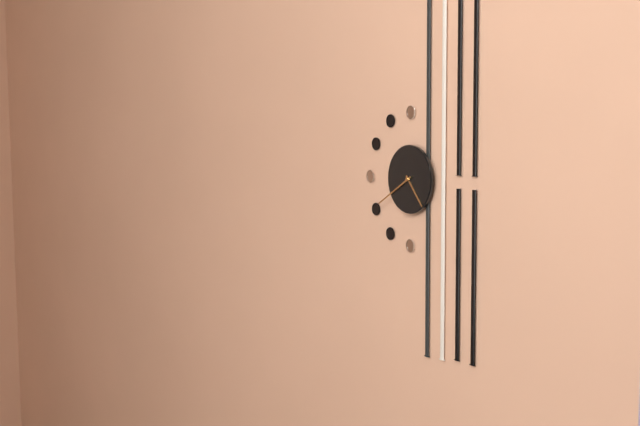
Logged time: {"hour": 4, "minute": 40}
